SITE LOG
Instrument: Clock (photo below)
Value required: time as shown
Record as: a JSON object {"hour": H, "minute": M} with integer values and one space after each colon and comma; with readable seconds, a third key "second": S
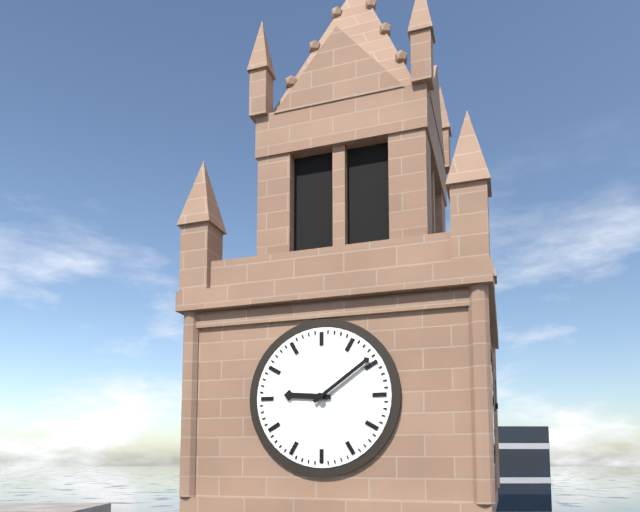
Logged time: {"hour": 9, "minute": 9}
